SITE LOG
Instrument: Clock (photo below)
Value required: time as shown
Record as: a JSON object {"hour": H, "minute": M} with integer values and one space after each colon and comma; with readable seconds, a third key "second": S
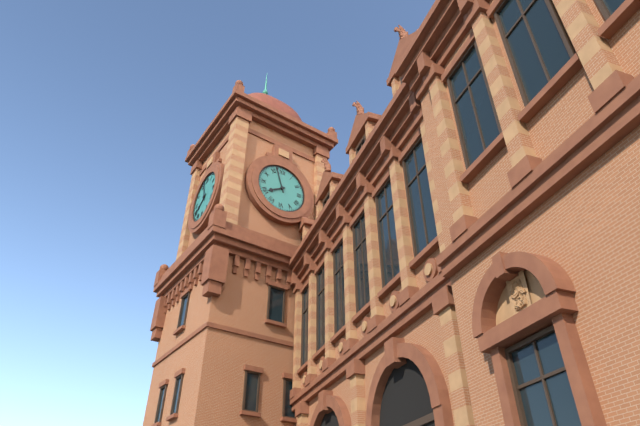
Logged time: {"hour": 7, "minute": 57}
